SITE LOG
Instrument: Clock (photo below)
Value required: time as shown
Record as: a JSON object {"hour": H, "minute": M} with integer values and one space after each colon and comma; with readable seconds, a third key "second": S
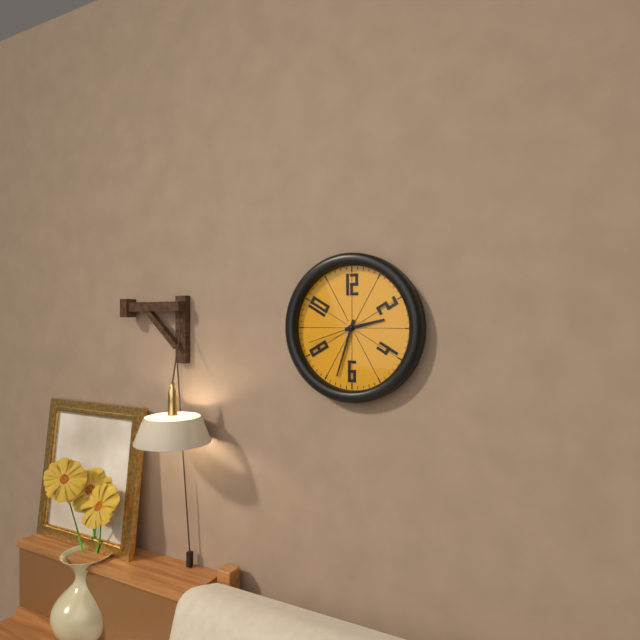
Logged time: {"hour": 2, "minute": 33, "second": 42}
